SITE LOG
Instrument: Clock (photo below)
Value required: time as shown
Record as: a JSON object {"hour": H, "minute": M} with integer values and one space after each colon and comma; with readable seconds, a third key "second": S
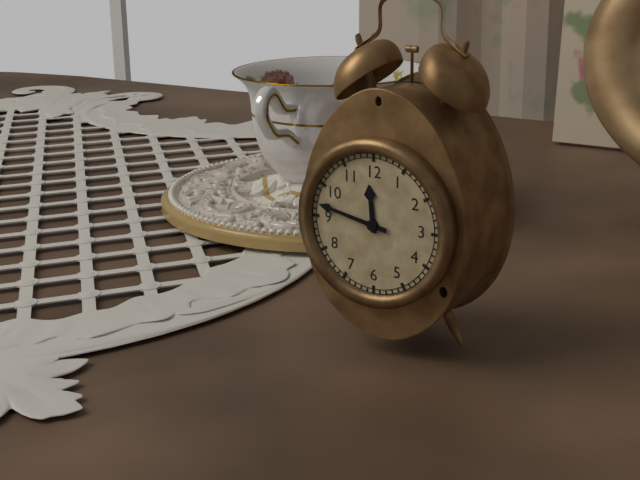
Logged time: {"hour": 11, "minute": 47}
